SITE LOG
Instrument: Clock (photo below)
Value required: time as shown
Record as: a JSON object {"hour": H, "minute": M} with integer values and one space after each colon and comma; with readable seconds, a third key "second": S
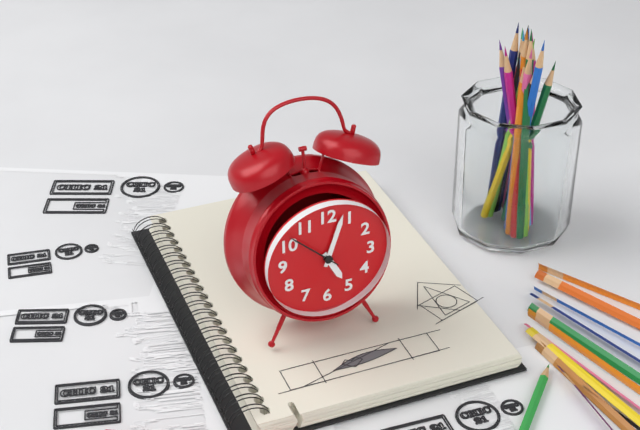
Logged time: {"hour": 5, "minute": 3, "second": 52}
